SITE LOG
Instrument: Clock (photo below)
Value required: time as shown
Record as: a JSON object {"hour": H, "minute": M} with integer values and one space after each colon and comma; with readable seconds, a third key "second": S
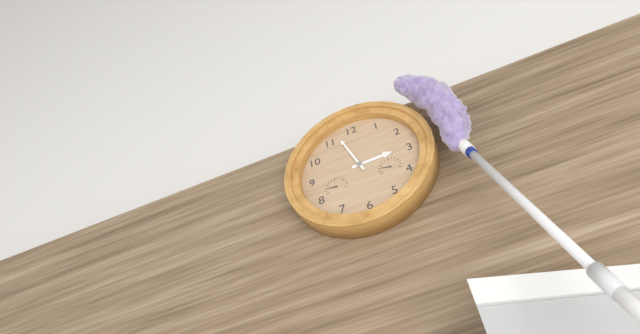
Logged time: {"hour": 2, "minute": 57}
